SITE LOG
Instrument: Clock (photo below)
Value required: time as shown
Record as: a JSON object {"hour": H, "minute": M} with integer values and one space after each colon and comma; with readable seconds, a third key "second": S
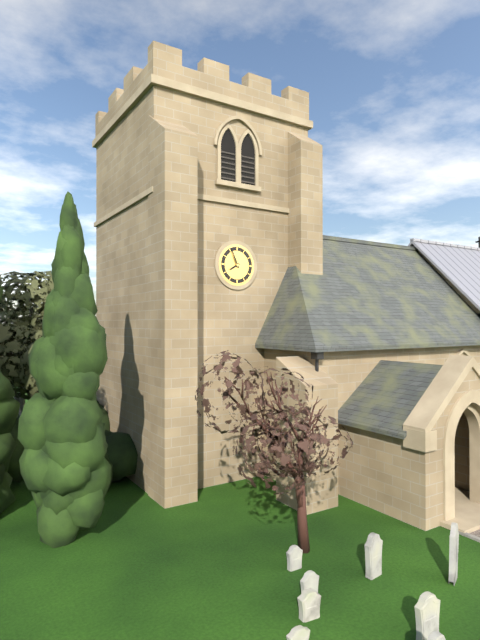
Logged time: {"hour": 7, "minute": 56}
